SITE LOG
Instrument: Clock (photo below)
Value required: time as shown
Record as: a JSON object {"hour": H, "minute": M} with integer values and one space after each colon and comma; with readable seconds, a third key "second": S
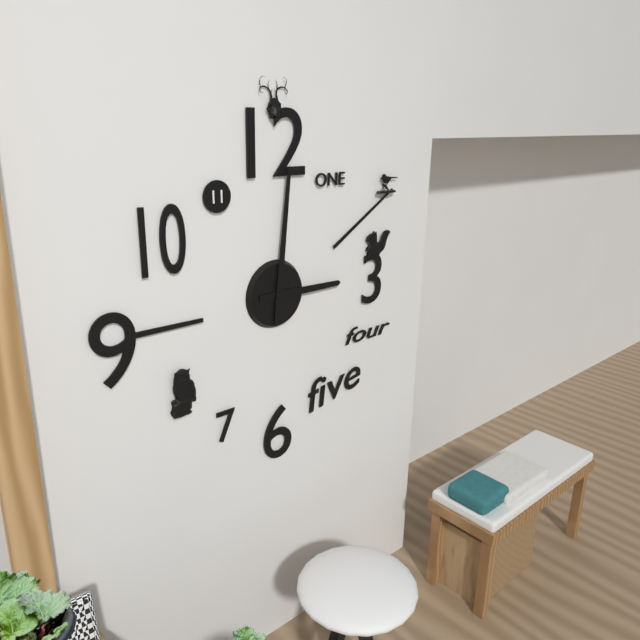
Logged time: {"hour": 3, "minute": 1}
